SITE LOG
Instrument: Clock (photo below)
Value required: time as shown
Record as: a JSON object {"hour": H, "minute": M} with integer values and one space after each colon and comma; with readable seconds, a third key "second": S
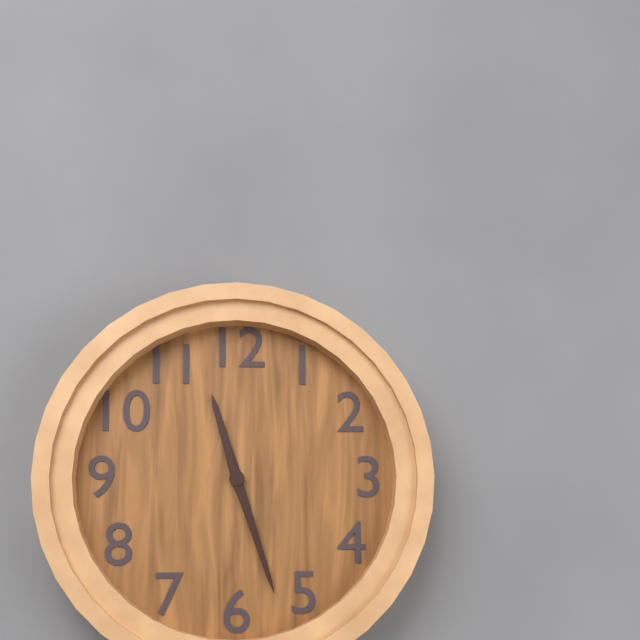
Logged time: {"hour": 11, "minute": 27}
